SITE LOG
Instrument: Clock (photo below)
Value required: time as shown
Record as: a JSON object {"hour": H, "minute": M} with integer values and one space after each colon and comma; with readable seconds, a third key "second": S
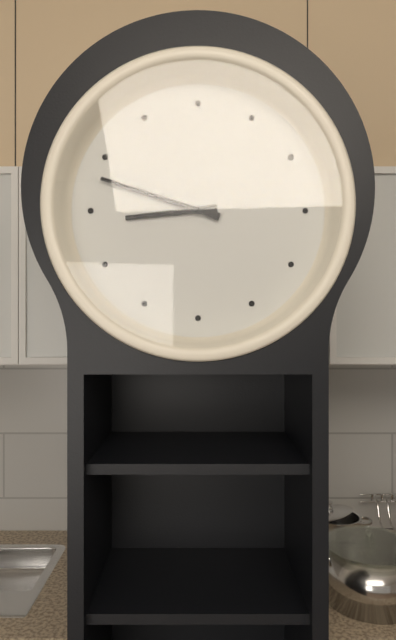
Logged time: {"hour": 8, "minute": 48}
